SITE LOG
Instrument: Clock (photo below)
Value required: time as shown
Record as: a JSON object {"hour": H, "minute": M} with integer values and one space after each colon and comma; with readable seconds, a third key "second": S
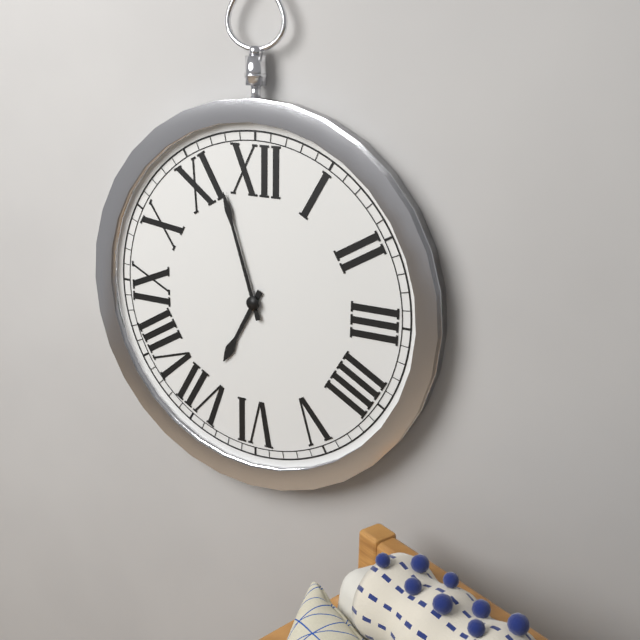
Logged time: {"hour": 6, "minute": 57}
